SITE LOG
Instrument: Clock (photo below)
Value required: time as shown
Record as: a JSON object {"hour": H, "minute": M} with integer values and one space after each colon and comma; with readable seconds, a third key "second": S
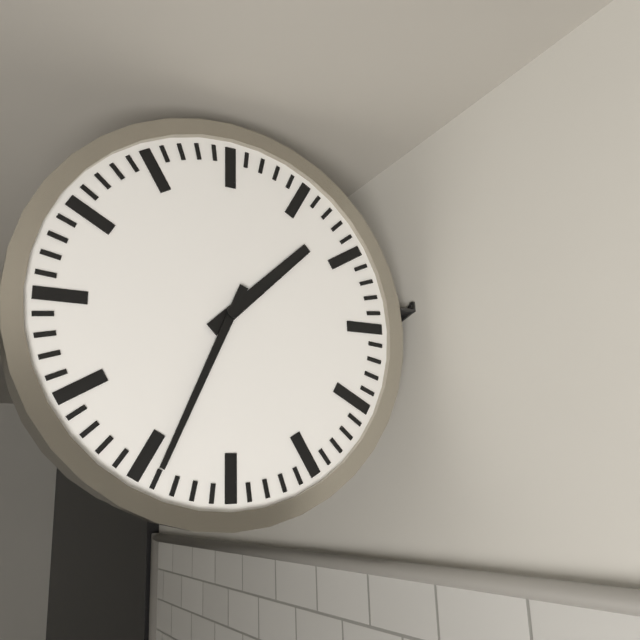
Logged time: {"hour": 1, "minute": 34}
